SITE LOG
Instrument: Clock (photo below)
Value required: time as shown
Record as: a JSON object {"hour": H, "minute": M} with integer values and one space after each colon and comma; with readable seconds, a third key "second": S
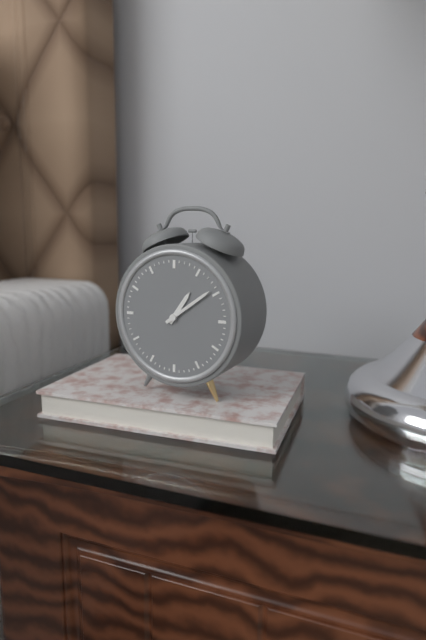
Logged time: {"hour": 1, "minute": 9}
